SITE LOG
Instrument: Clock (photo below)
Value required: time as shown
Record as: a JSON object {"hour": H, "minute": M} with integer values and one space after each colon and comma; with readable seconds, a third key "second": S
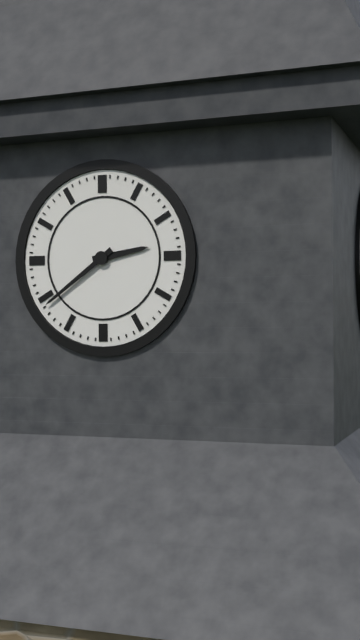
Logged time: {"hour": 2, "minute": 39}
